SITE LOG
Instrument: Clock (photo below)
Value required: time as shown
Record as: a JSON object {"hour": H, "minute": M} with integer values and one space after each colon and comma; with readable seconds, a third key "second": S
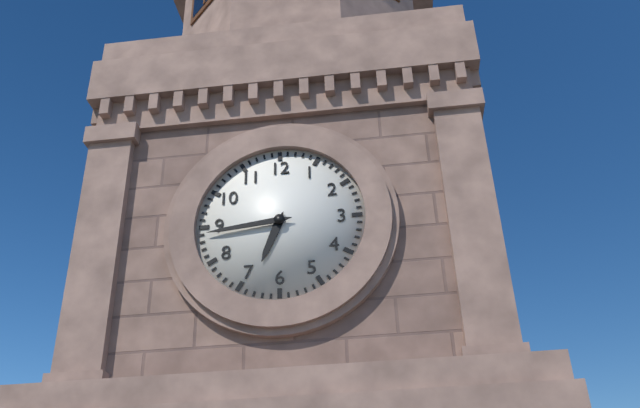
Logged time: {"hour": 6, "minute": 44}
